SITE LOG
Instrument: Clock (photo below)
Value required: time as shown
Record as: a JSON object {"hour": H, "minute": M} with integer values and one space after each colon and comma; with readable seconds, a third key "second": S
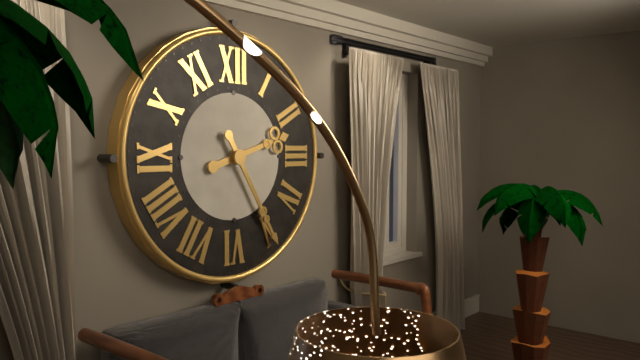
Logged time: {"hour": 2, "minute": 25}
